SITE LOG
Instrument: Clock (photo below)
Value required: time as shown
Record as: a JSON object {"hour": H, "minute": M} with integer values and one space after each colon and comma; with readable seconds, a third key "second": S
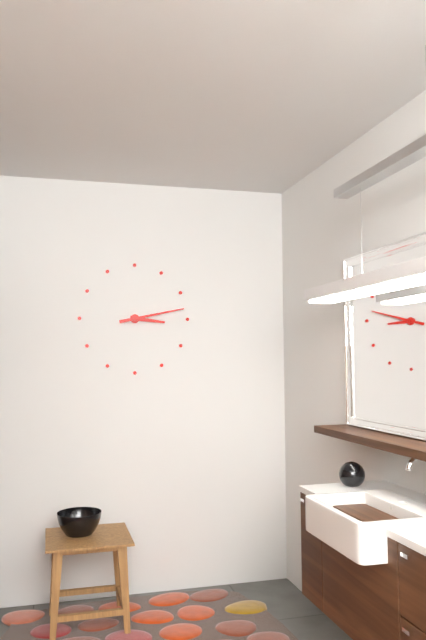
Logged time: {"hour": 3, "minute": 13}
